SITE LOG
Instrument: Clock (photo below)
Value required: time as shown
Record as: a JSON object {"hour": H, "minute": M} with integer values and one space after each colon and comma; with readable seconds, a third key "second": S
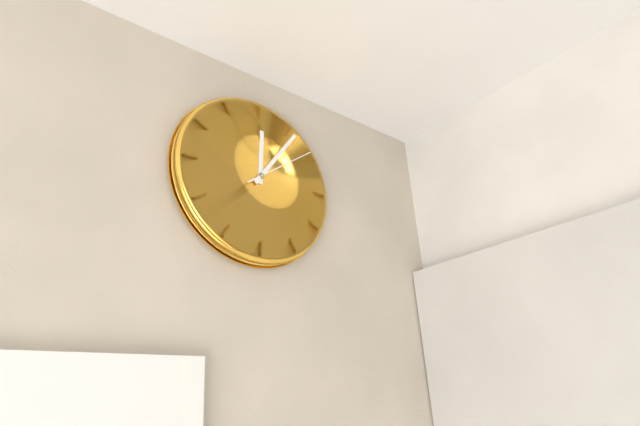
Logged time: {"hour": 12, "minute": 6, "second": 9}
